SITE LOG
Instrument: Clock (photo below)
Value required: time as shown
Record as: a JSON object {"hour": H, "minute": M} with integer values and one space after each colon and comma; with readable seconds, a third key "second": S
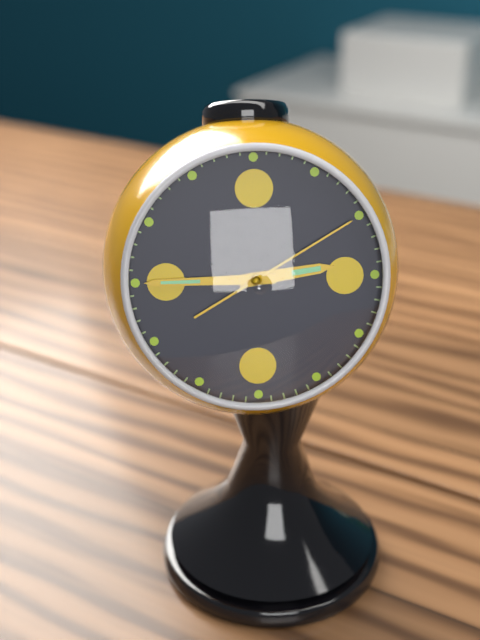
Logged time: {"hour": 2, "minute": 45, "second": 10}
